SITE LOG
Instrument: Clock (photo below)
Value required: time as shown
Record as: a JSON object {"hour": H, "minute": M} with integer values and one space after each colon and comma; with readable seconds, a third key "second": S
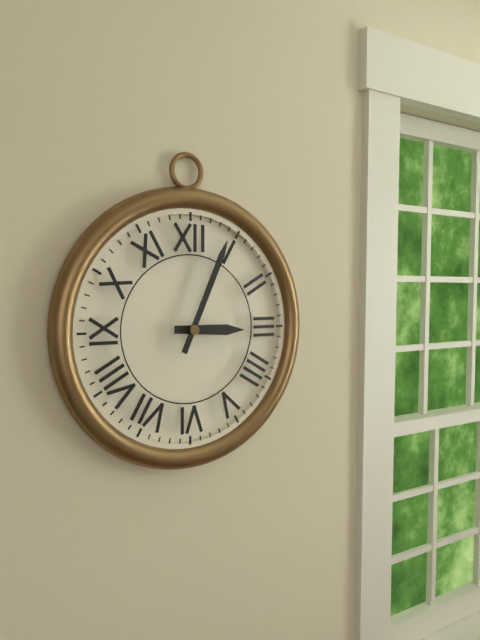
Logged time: {"hour": 3, "minute": 4}
